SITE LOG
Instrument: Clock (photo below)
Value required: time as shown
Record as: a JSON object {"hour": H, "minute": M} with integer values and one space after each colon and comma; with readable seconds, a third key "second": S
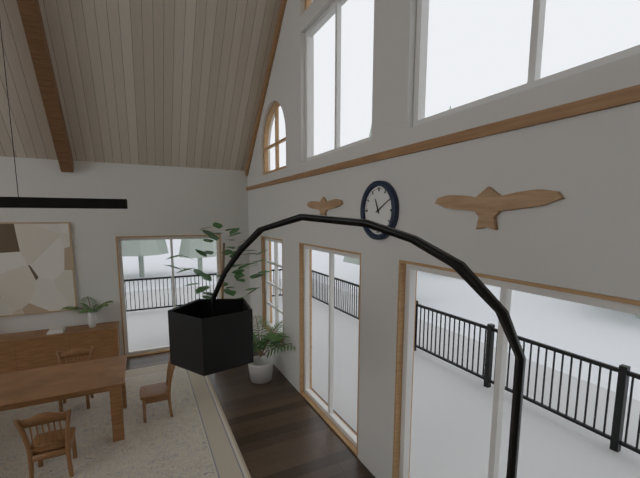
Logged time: {"hour": 11, "minute": 10}
